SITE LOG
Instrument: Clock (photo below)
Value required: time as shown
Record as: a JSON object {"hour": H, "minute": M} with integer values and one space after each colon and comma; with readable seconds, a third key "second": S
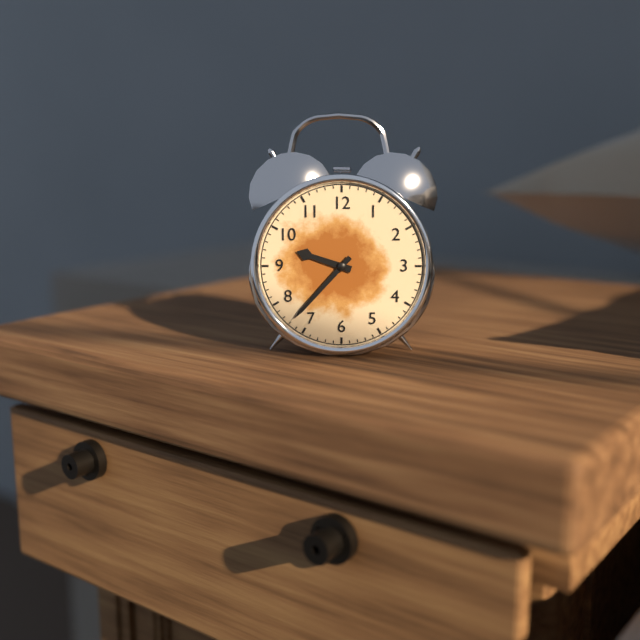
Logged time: {"hour": 9, "minute": 37}
